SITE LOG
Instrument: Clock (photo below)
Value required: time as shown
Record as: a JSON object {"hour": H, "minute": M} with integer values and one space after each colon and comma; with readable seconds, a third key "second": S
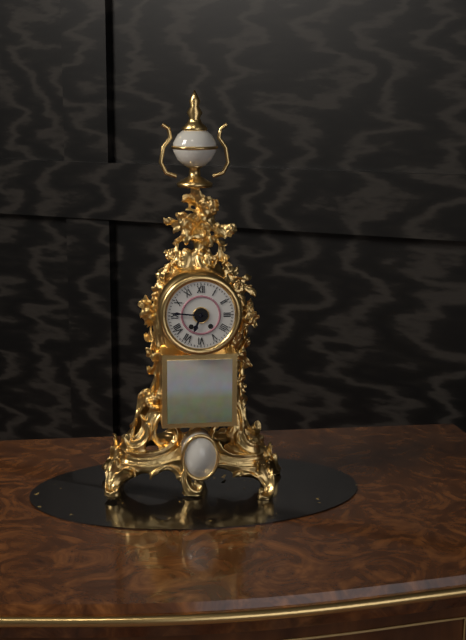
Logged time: {"hour": 6, "minute": 46}
